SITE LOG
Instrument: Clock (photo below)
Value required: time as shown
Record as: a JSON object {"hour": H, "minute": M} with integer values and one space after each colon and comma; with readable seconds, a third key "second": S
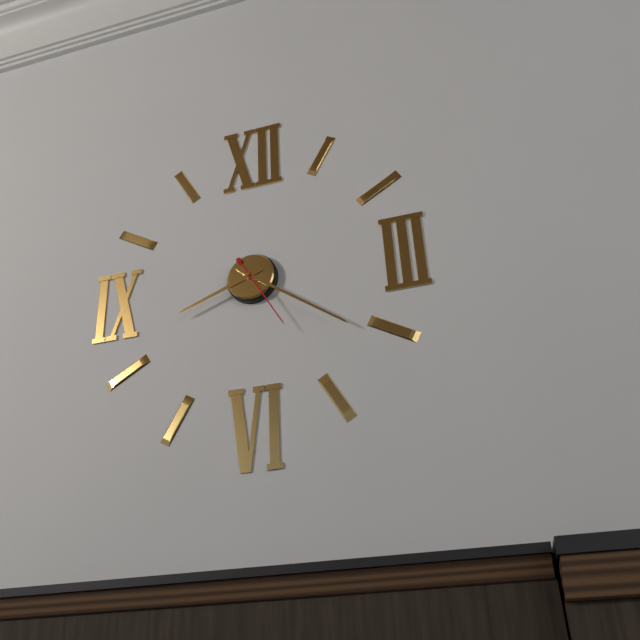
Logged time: {"hour": 8, "minute": 21, "second": 25}
